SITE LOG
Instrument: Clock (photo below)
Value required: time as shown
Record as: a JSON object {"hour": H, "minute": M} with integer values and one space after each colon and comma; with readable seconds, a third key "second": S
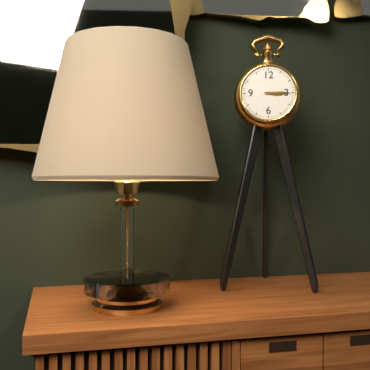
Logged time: {"hour": 3, "minute": 15}
